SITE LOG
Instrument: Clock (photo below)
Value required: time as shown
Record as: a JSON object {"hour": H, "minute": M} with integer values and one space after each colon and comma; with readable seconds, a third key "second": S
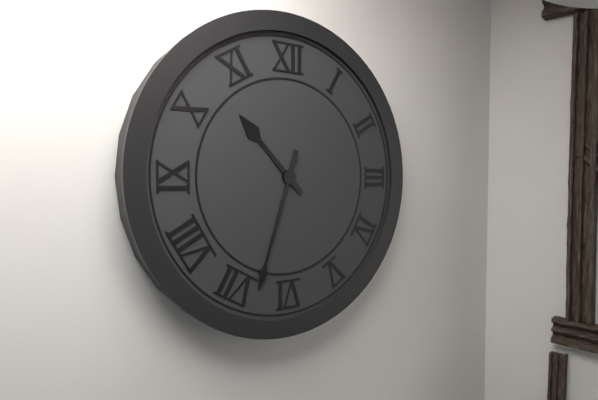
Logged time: {"hour": 10, "minute": 33}
